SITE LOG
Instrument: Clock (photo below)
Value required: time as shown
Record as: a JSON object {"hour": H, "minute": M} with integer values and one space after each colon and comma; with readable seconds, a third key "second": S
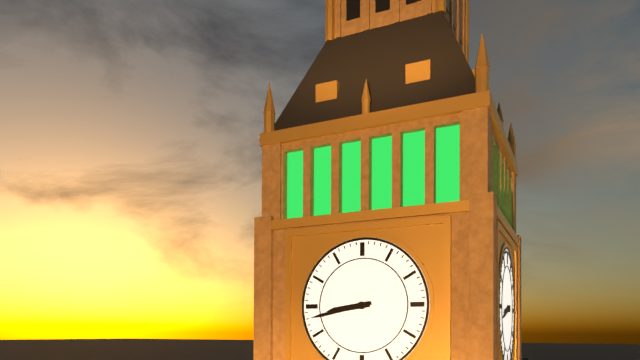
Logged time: {"hour": 8, "minute": 43}
